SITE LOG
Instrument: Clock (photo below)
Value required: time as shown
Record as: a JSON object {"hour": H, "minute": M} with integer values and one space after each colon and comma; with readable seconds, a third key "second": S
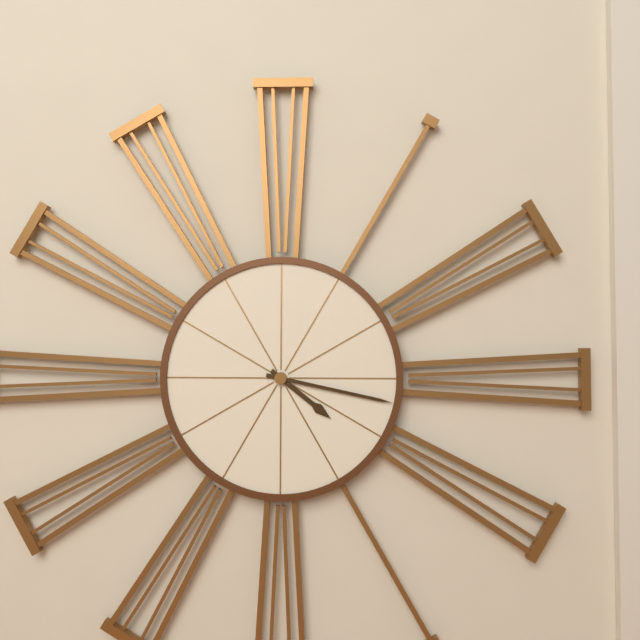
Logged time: {"hour": 4, "minute": 17}
